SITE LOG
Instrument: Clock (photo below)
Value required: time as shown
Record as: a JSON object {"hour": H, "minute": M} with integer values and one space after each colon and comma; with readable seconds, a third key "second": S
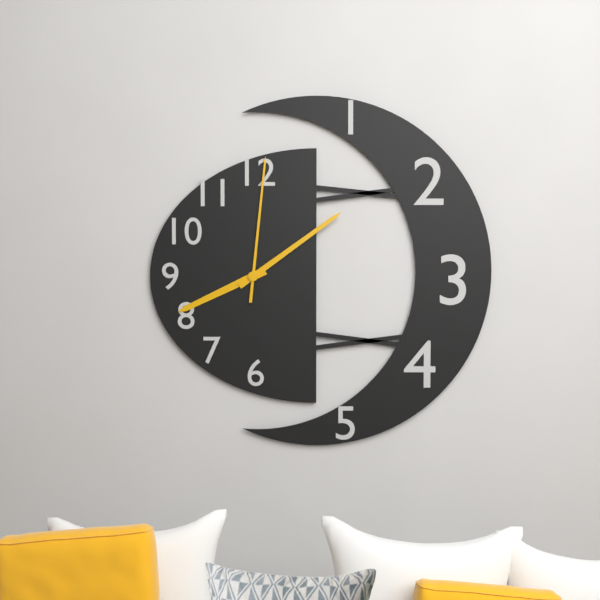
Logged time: {"hour": 8, "minute": 9, "second": 1}
